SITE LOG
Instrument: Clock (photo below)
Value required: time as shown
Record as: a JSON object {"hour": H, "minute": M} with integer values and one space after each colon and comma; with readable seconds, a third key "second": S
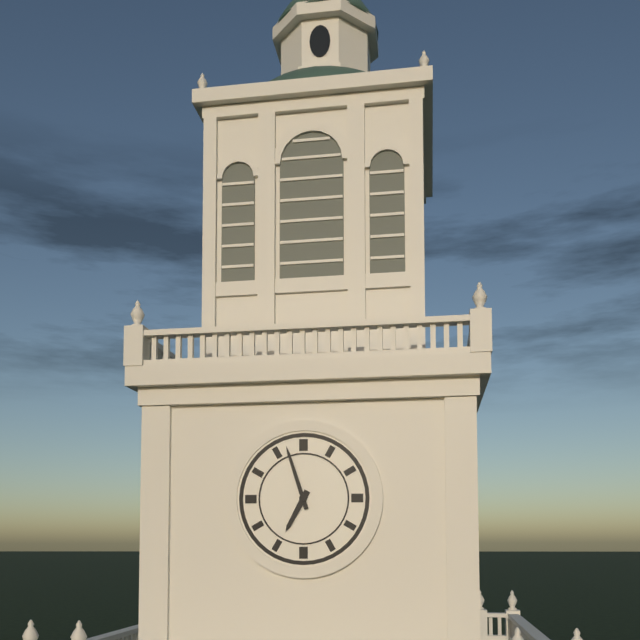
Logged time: {"hour": 6, "minute": 57}
